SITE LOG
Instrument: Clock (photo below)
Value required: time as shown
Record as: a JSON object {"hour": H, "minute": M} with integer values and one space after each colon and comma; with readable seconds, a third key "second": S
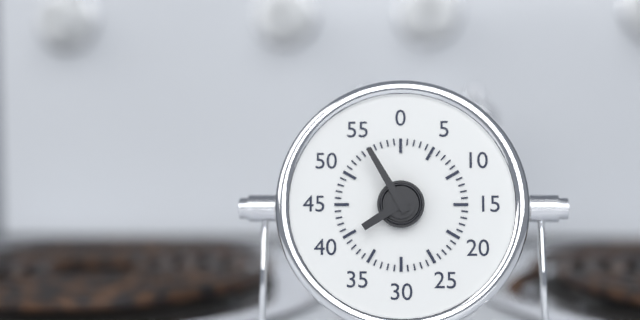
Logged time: {"hour": 7, "minute": 55}
